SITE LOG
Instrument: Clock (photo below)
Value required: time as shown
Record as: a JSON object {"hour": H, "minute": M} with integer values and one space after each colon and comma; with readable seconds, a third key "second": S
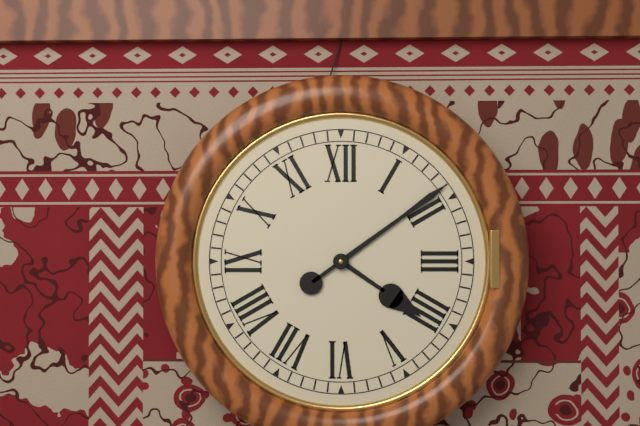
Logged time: {"hour": 4, "minute": 9}
